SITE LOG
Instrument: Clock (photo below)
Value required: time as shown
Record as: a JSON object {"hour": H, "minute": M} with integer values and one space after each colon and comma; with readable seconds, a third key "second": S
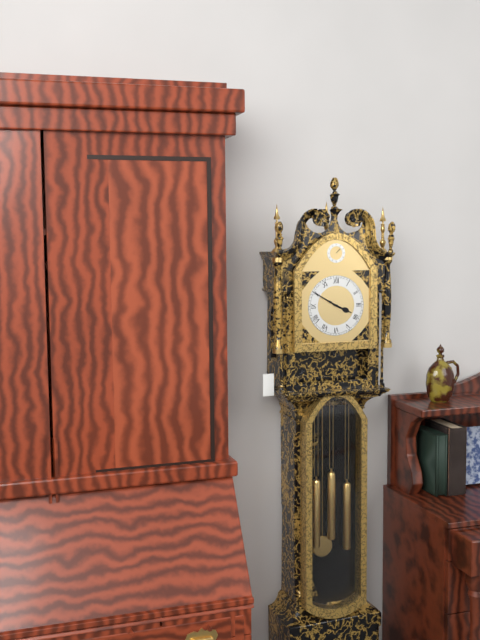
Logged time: {"hour": 3, "minute": 50}
